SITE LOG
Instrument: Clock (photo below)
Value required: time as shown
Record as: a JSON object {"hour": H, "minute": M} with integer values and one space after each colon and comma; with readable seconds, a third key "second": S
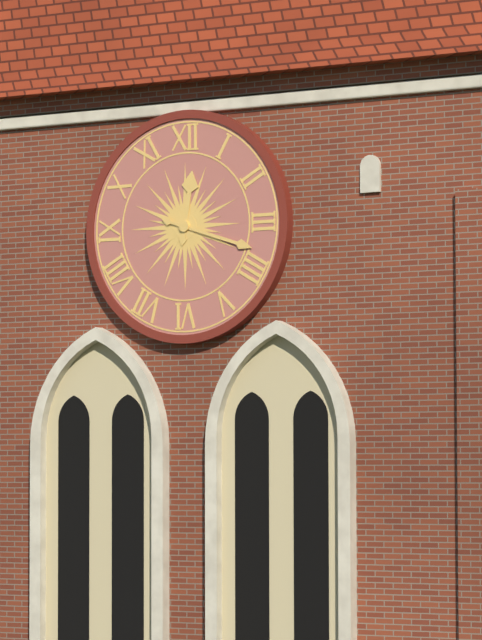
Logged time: {"hour": 12, "minute": 18}
